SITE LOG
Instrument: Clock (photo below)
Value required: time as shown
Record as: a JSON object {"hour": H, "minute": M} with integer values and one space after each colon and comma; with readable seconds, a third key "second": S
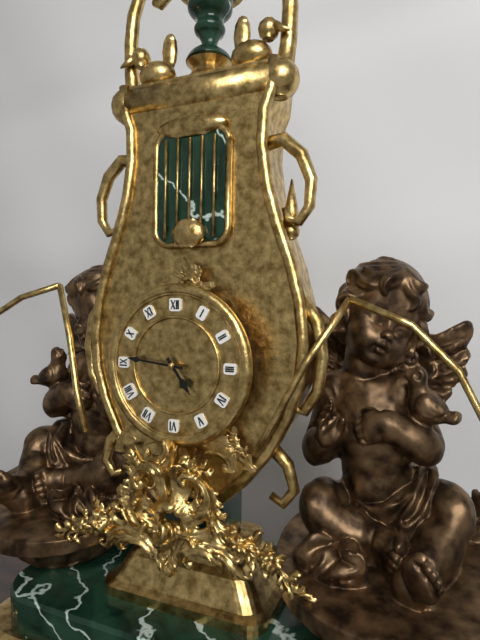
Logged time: {"hour": 4, "minute": 46}
